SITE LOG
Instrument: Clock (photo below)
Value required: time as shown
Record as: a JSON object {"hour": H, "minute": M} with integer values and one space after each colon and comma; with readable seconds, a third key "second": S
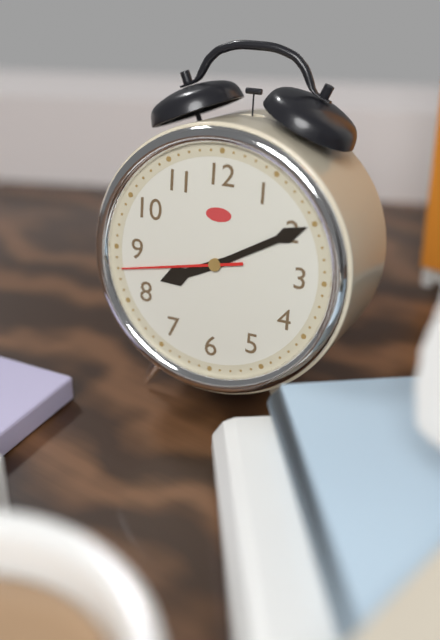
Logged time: {"hour": 8, "minute": 10, "second": 43}
